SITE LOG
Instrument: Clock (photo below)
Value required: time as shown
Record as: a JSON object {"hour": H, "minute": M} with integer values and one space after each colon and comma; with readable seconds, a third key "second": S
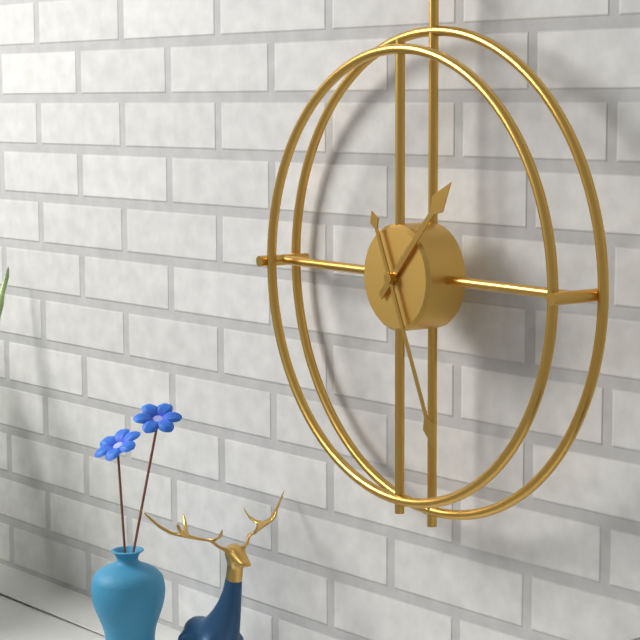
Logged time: {"hour": 1, "minute": 26}
